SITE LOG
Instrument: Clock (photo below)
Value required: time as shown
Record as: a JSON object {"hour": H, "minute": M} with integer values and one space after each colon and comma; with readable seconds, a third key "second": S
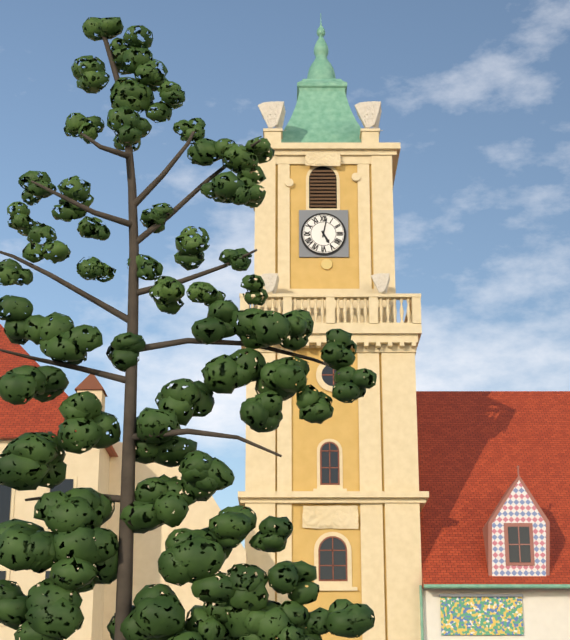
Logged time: {"hour": 5, "minute": 2}
